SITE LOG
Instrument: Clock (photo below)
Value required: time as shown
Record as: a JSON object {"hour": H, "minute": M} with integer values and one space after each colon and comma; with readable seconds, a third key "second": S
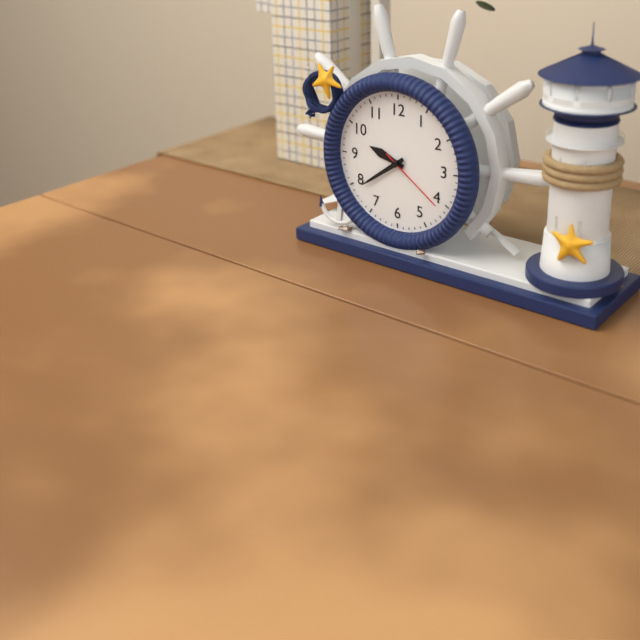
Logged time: {"hour": 9, "minute": 39, "second": 21}
